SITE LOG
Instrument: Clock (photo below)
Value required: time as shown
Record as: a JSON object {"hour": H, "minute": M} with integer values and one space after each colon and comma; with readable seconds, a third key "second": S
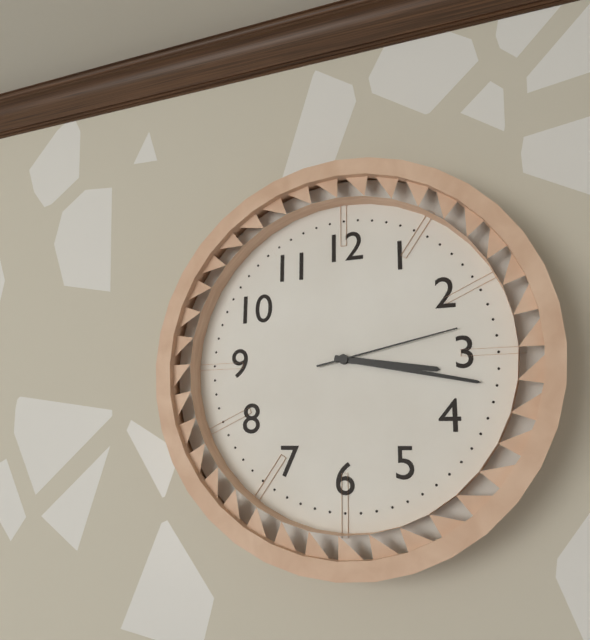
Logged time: {"hour": 3, "minute": 17, "second": 13}
